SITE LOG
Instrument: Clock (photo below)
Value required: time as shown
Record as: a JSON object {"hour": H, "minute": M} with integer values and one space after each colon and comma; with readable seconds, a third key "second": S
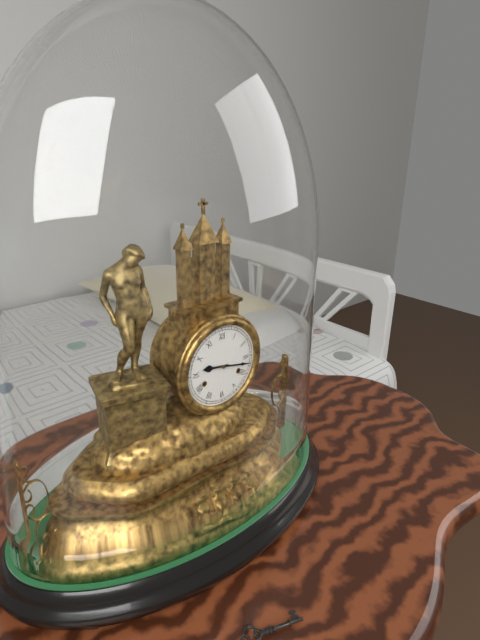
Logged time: {"hour": 9, "minute": 17}
